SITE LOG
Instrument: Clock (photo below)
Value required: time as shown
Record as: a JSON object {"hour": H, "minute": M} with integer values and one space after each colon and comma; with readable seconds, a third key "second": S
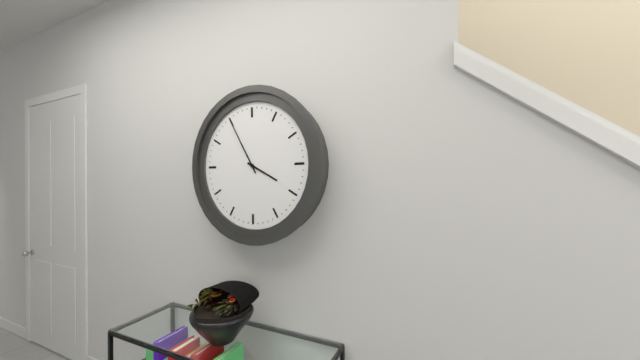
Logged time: {"hour": 3, "minute": 55}
